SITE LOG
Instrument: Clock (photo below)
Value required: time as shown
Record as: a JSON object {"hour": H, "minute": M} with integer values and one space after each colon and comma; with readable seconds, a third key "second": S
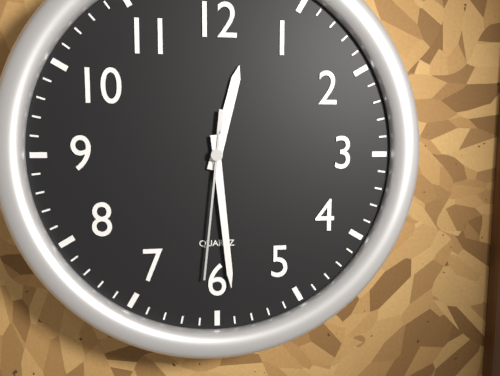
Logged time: {"hour": 12, "minute": 29, "second": 31}
